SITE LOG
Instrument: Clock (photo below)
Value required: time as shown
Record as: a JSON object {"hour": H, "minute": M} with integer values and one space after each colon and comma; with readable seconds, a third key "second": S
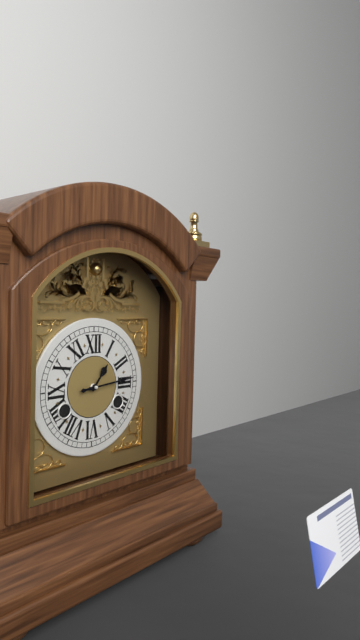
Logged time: {"hour": 1, "minute": 14}
